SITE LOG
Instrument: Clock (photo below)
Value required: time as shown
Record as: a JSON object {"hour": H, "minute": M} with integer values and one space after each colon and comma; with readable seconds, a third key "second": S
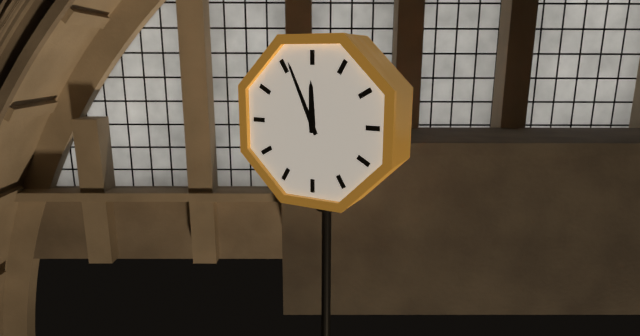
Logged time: {"hour": 11, "minute": 56}
